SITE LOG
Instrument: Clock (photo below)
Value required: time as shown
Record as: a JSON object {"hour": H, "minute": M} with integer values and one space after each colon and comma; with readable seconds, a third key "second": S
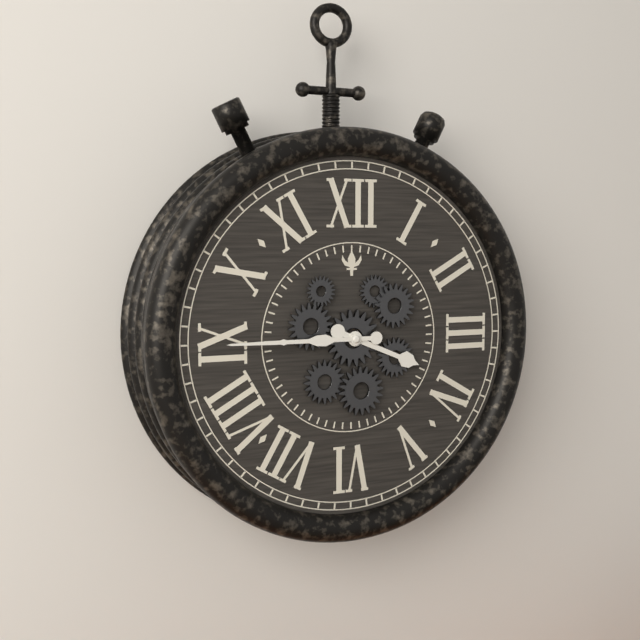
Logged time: {"hour": 3, "minute": 45}
